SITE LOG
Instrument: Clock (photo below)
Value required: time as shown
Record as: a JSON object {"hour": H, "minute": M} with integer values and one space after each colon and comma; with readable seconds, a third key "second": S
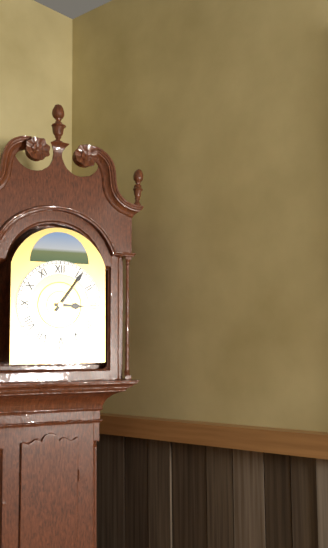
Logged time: {"hour": 3, "minute": 6}
